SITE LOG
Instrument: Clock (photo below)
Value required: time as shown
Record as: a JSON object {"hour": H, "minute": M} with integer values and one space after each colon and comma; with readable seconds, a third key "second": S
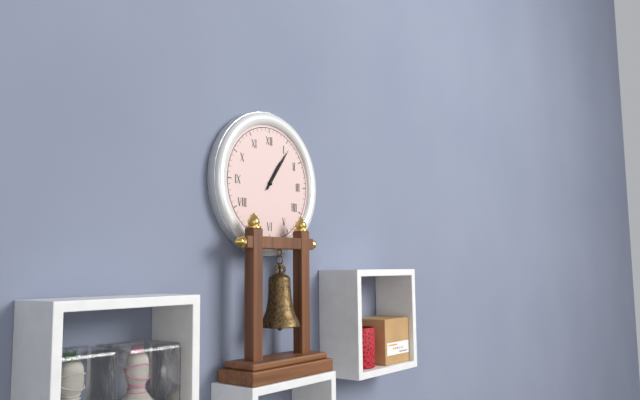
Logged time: {"hour": 1, "minute": 6}
